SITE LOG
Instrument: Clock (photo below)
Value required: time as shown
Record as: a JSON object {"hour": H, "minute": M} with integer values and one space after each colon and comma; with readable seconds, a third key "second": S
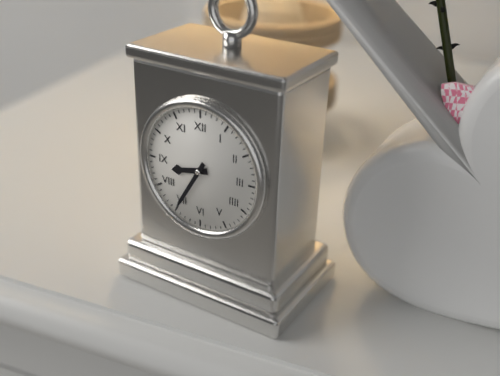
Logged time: {"hour": 8, "minute": 35}
